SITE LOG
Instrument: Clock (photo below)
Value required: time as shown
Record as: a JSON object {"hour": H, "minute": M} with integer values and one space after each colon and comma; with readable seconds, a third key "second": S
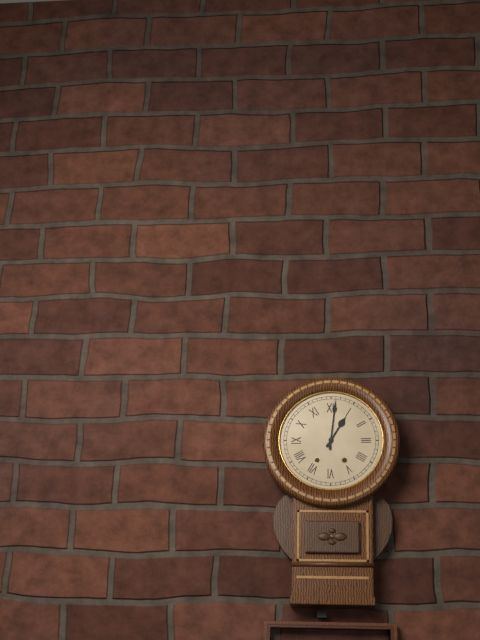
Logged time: {"hour": 1, "minute": 1}
